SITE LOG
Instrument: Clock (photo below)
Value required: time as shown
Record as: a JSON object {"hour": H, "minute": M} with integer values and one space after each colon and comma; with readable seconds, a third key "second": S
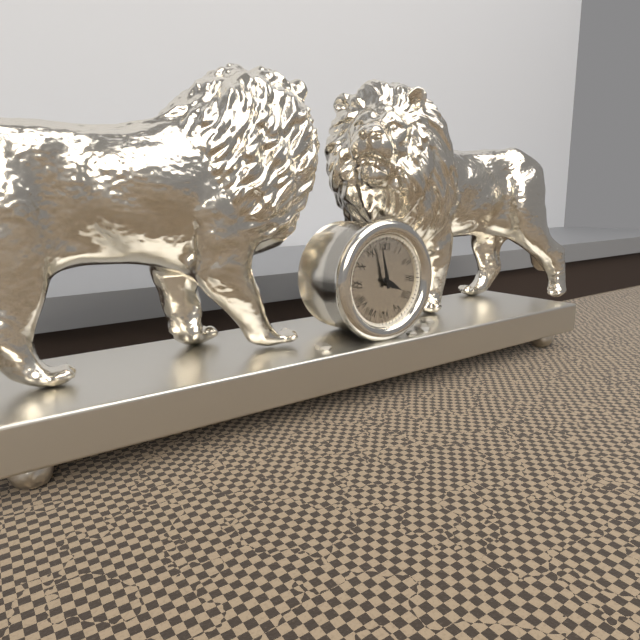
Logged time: {"hour": 3, "minute": 58}
